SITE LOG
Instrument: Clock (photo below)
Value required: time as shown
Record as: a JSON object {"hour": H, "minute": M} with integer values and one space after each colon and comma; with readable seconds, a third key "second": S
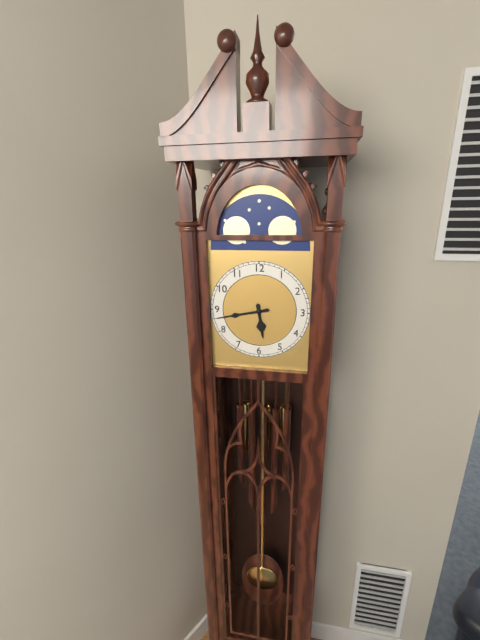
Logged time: {"hour": 5, "minute": 43}
